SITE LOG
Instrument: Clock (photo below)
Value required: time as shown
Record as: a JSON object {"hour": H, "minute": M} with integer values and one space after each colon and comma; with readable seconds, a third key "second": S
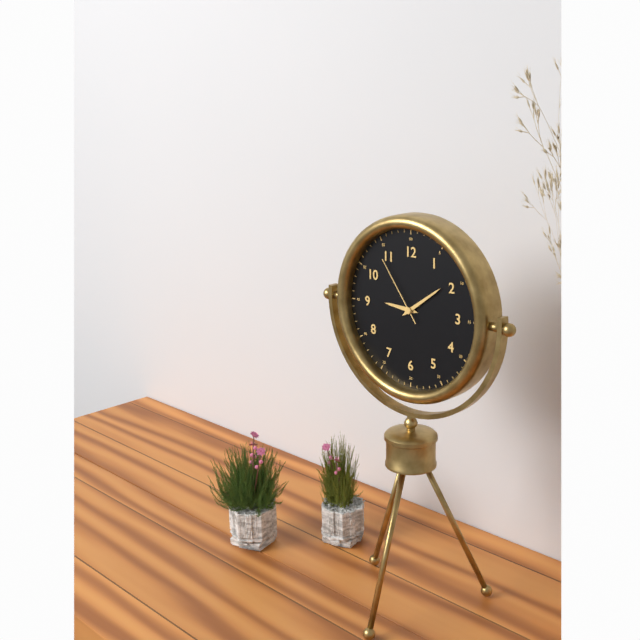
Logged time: {"hour": 9, "minute": 9, "second": 54}
